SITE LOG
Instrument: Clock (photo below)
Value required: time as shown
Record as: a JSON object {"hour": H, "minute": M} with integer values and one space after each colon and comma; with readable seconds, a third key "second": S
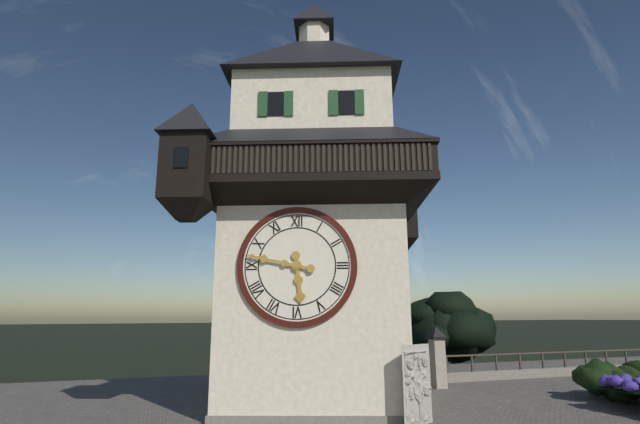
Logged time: {"hour": 5, "minute": 47}
